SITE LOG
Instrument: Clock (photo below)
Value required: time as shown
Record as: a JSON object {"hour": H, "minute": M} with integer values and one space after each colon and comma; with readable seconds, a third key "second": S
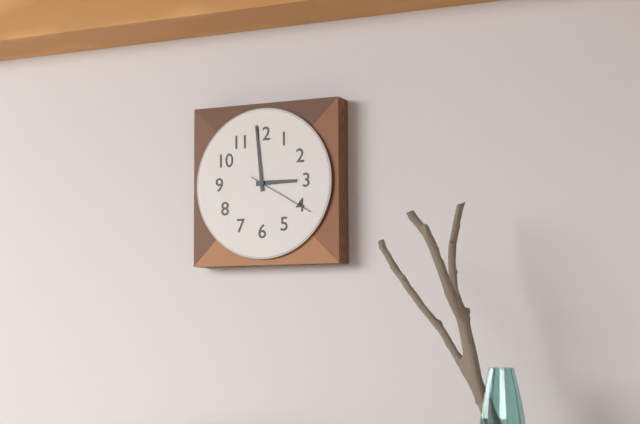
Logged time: {"hour": 2, "minute": 59, "second": 20}
